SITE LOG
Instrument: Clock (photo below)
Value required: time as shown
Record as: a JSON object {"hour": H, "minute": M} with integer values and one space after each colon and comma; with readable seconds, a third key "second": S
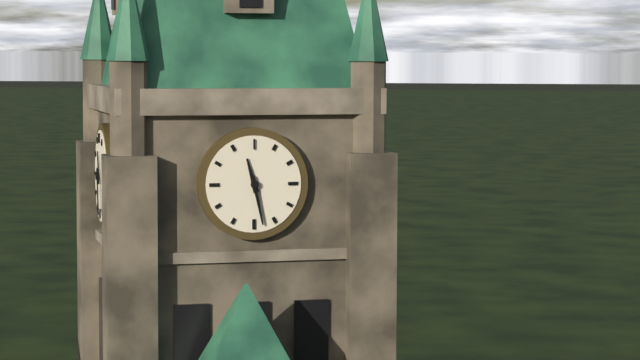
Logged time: {"hour": 11, "minute": 28}
